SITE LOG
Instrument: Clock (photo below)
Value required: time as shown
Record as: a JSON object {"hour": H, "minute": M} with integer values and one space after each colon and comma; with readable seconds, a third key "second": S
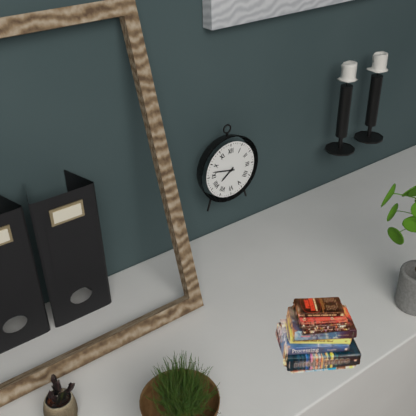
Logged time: {"hour": 7, "minute": 47}
